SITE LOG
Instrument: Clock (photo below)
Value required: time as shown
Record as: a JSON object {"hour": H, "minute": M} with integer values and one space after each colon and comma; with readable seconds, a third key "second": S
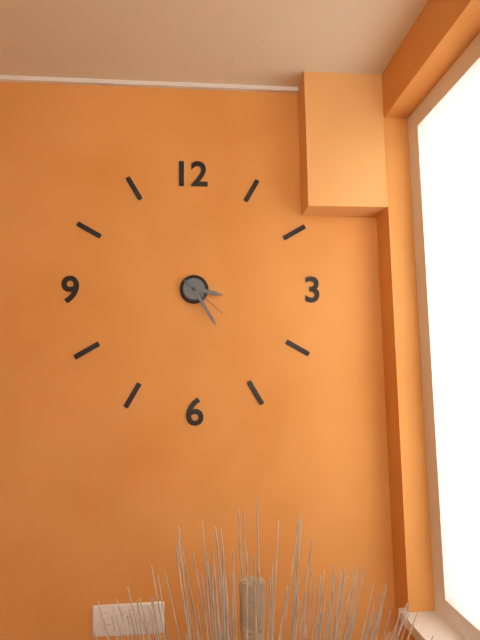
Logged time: {"hour": 3, "minute": 25}
